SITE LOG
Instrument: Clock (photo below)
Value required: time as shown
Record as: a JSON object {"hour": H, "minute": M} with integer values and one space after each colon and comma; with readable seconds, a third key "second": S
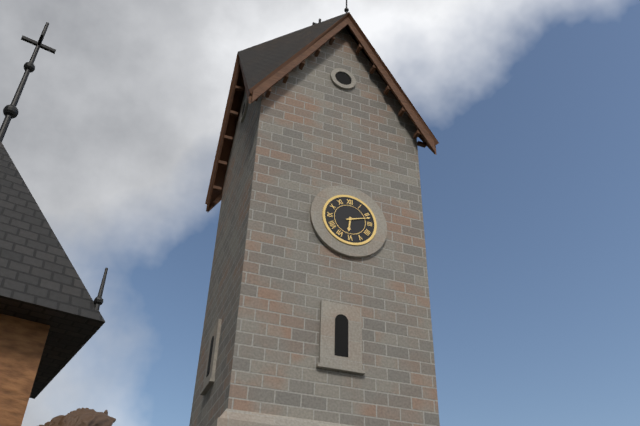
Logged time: {"hour": 6, "minute": 12}
